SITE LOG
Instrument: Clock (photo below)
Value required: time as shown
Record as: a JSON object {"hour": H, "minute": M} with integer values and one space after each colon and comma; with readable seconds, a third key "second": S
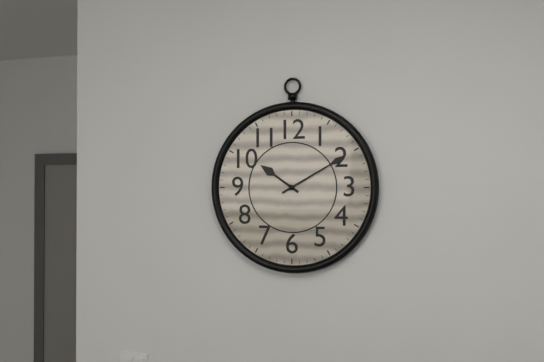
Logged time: {"hour": 10, "minute": 10}
